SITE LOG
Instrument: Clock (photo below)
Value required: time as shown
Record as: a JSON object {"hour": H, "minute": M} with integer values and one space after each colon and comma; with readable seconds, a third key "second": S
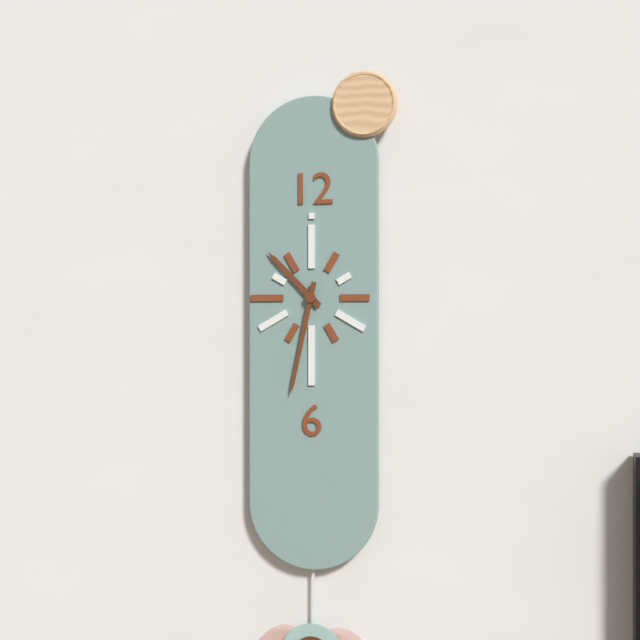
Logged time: {"hour": 10, "minute": 32}
